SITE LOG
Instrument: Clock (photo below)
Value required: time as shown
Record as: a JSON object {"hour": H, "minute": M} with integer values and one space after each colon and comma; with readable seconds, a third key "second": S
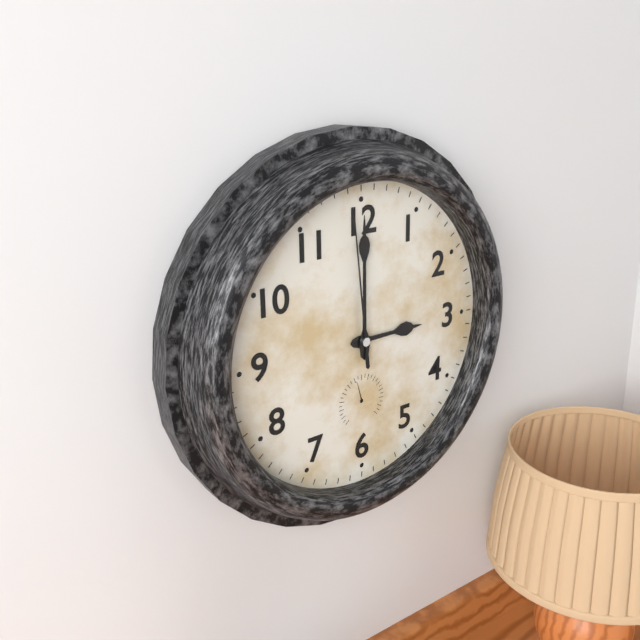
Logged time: {"hour": 3, "minute": 0, "second": 59}
